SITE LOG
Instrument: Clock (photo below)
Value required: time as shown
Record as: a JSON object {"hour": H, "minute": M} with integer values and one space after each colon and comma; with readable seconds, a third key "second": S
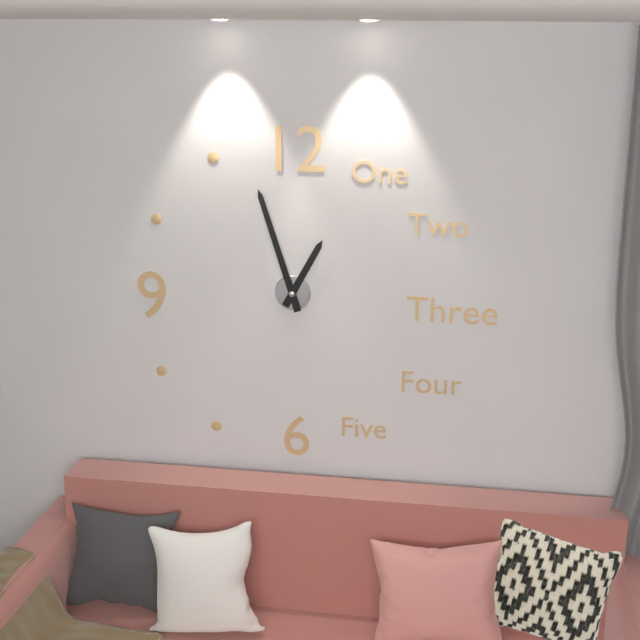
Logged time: {"hour": 12, "minute": 57}
